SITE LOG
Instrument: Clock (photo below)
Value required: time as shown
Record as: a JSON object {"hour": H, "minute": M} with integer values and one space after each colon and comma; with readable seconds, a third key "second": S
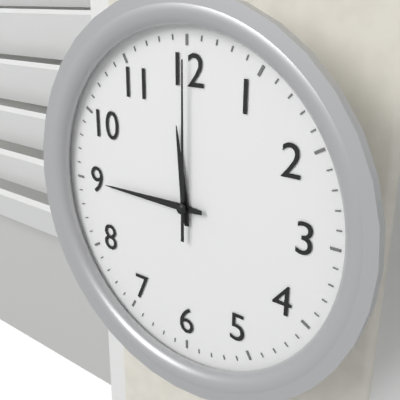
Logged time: {"hour": 11, "minute": 45, "second": 0}
